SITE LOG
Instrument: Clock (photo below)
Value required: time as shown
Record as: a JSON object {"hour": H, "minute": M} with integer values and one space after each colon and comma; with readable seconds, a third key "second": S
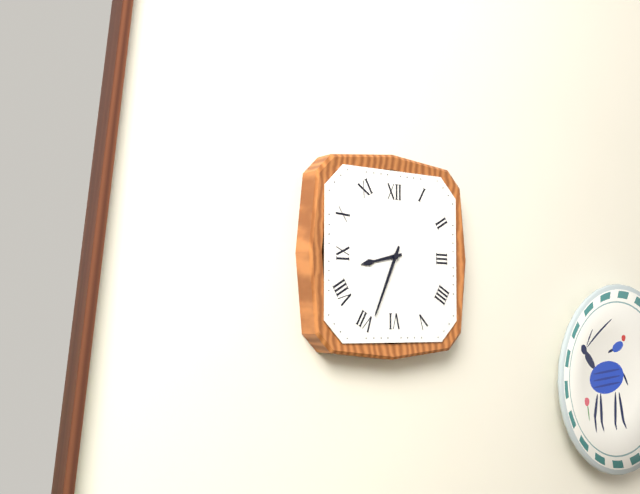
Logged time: {"hour": 8, "minute": 34}
